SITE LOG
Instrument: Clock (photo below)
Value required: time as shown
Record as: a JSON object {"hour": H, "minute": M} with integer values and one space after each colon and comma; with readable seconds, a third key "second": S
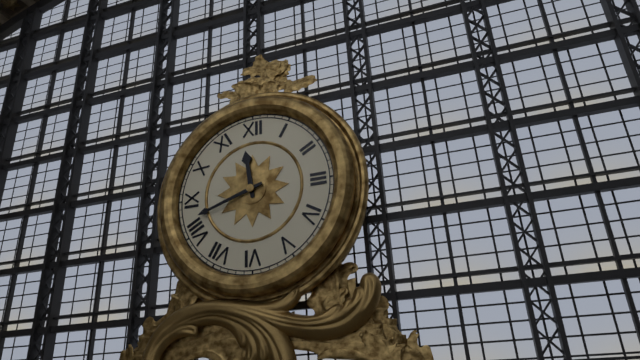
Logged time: {"hour": 11, "minute": 42}
